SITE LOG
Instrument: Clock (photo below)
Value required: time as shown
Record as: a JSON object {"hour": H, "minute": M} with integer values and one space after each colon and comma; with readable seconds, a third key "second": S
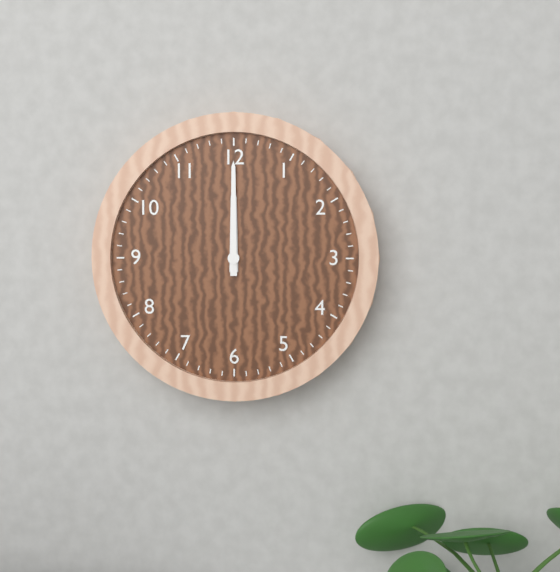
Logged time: {"hour": 12, "minute": 0}
